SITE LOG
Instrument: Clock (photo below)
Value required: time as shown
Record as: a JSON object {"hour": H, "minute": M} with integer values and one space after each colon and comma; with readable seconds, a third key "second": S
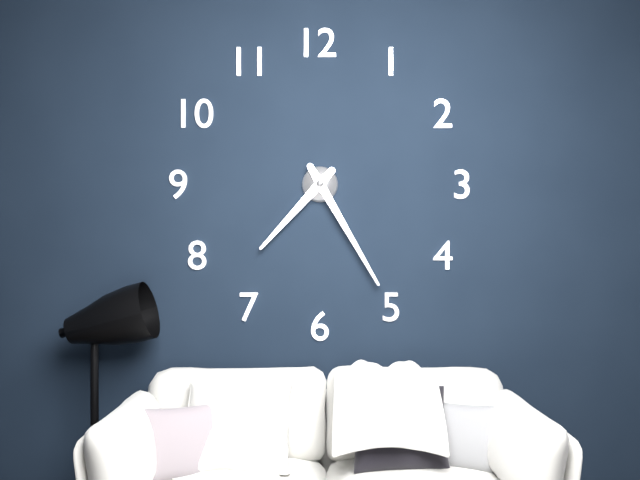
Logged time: {"hour": 7, "minute": 25}
